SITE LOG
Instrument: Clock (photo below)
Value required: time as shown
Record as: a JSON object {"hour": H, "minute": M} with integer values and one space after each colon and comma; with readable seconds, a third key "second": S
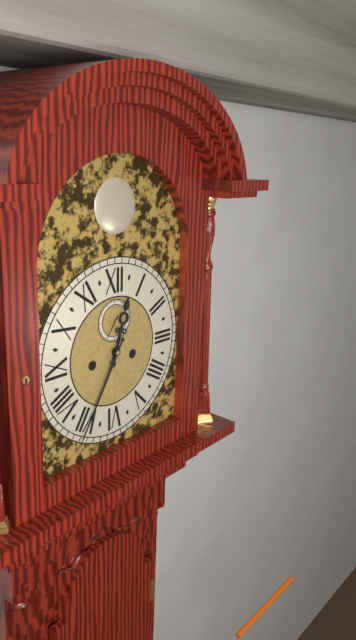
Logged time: {"hour": 12, "minute": 35}
